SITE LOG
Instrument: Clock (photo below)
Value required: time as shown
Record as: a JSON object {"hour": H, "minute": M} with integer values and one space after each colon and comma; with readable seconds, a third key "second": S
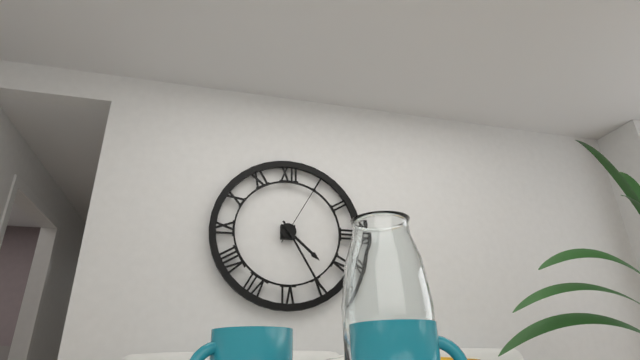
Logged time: {"hour": 4, "minute": 25, "second": 5}
